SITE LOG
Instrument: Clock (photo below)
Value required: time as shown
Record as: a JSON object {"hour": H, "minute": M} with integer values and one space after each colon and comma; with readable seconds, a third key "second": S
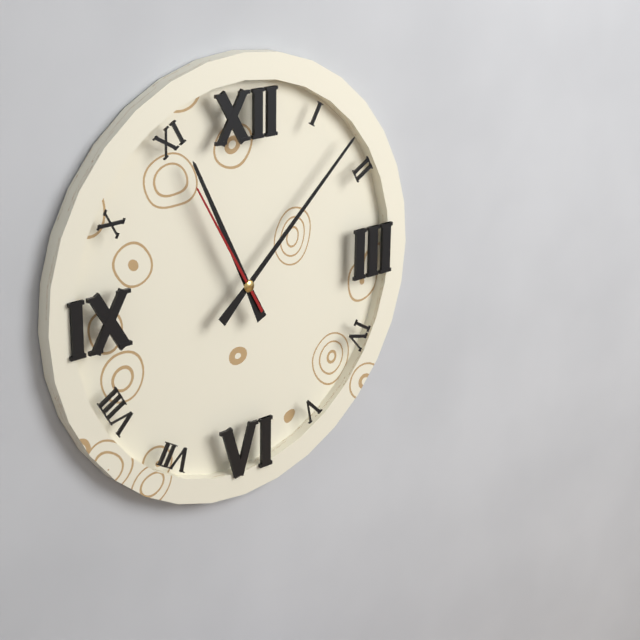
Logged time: {"hour": 11, "minute": 8, "second": 55}
